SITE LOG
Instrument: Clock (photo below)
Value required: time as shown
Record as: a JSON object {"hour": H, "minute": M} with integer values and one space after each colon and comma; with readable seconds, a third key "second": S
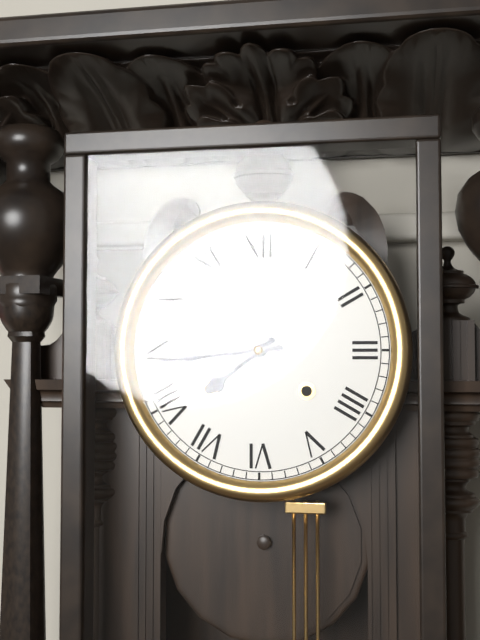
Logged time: {"hour": 7, "minute": 44}
